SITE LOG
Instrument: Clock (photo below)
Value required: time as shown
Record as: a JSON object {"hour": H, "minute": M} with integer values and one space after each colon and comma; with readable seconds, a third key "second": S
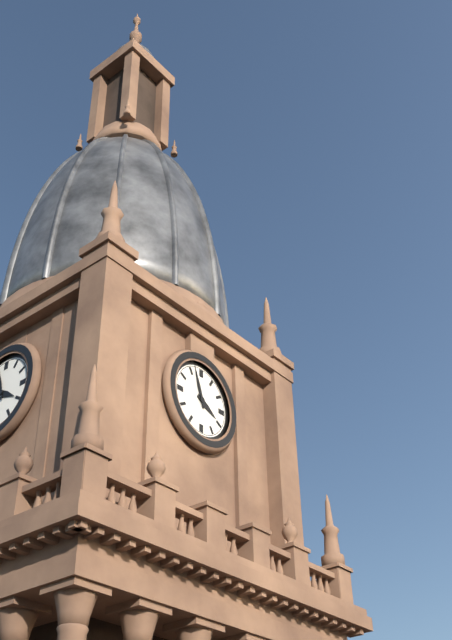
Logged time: {"hour": 3, "minute": 57}
